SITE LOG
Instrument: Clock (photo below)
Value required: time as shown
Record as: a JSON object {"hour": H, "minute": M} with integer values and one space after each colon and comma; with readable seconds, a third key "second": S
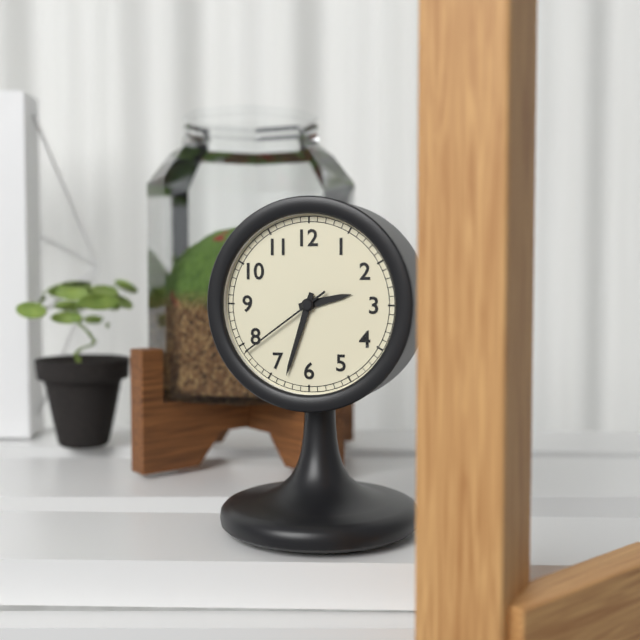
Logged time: {"hour": 2, "minute": 33, "second": 39}
